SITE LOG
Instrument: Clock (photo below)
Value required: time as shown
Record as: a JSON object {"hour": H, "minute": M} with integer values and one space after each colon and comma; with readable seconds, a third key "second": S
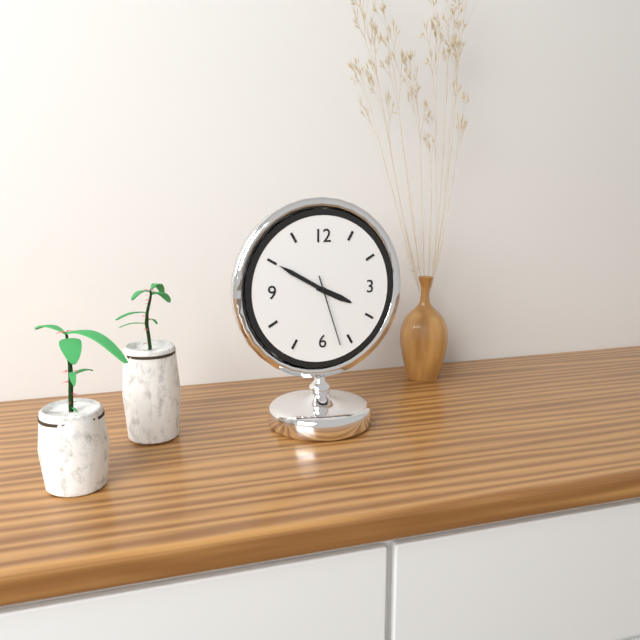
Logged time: {"hour": 3, "minute": 50, "second": 27}
